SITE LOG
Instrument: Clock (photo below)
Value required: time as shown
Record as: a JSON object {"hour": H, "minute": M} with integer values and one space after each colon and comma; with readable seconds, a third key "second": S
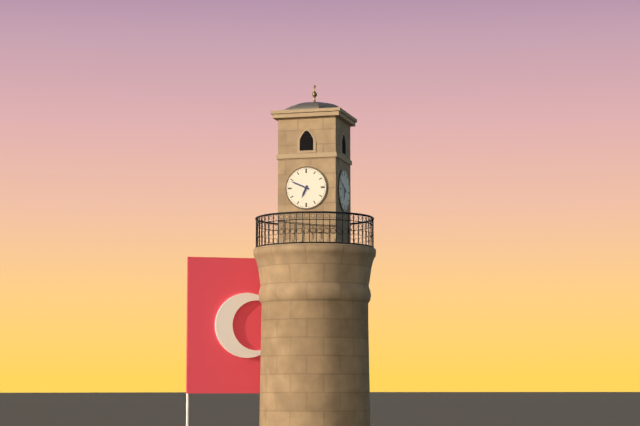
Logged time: {"hour": 6, "minute": 49}
